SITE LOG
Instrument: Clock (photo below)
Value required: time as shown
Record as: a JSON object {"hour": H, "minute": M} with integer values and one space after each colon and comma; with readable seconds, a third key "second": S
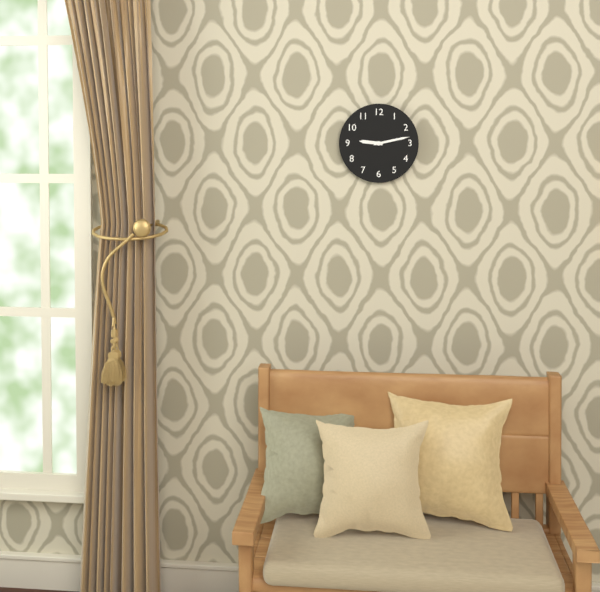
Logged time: {"hour": 9, "minute": 13}
